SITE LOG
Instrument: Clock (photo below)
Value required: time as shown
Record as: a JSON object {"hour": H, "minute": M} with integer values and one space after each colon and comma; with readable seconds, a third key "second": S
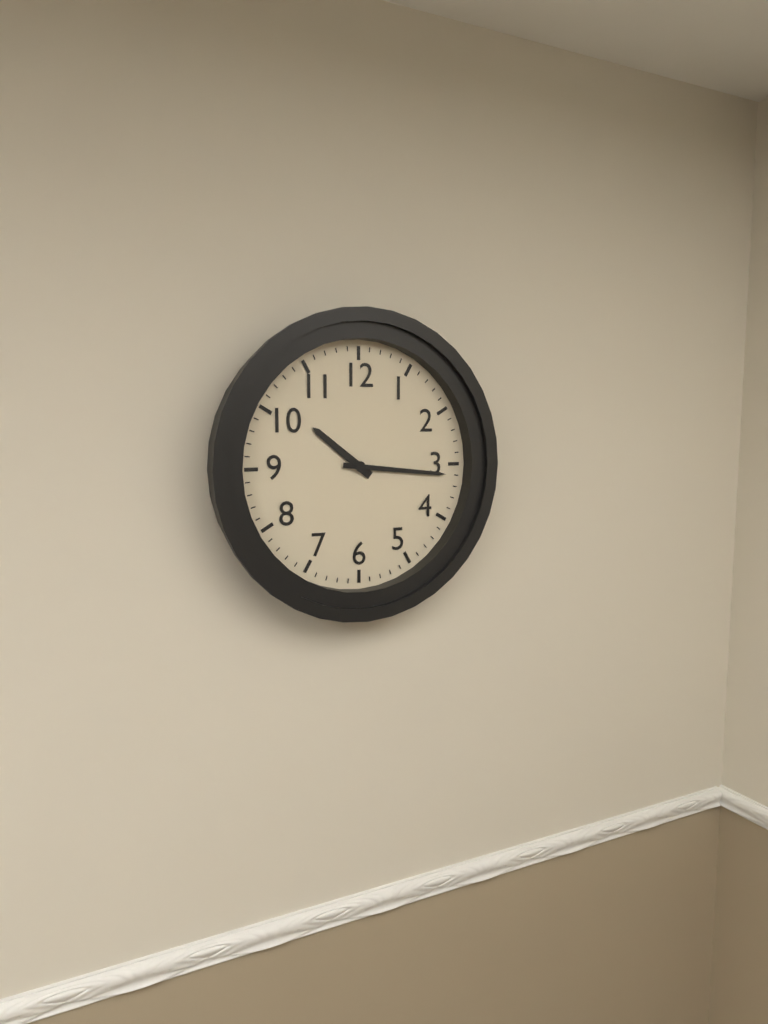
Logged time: {"hour": 10, "minute": 16}
